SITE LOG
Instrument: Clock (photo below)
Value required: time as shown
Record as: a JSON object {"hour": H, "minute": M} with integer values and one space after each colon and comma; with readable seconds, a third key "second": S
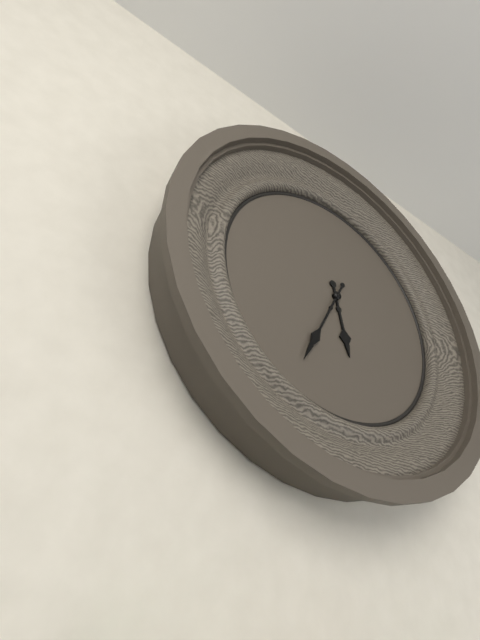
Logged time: {"hour": 5, "minute": 34}
